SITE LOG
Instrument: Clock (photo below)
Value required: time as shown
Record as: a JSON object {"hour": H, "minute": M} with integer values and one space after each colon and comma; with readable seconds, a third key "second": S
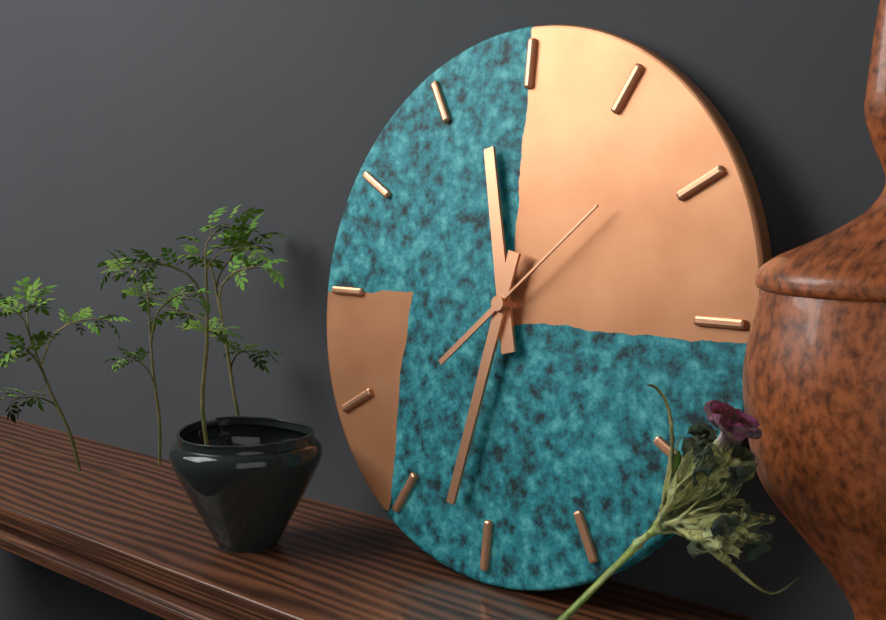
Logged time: {"hour": 11, "minute": 32, "second": 8}
